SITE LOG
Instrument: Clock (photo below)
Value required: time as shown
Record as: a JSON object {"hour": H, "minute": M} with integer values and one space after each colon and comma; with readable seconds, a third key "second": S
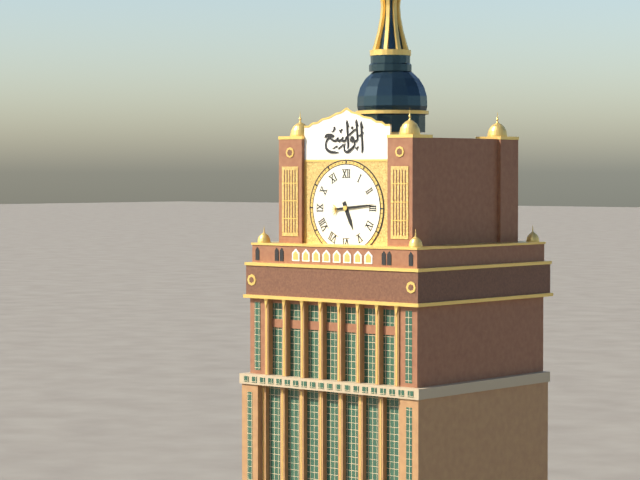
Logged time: {"hour": 5, "minute": 14}
